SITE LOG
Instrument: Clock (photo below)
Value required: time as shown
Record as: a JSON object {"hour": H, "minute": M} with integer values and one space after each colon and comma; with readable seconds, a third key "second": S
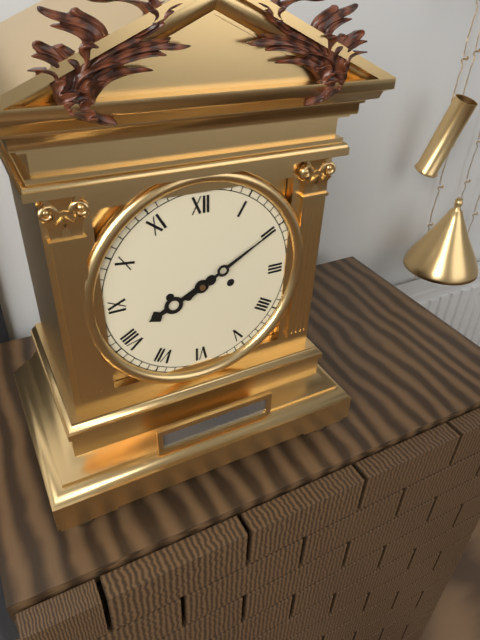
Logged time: {"hour": 8, "minute": 10}
